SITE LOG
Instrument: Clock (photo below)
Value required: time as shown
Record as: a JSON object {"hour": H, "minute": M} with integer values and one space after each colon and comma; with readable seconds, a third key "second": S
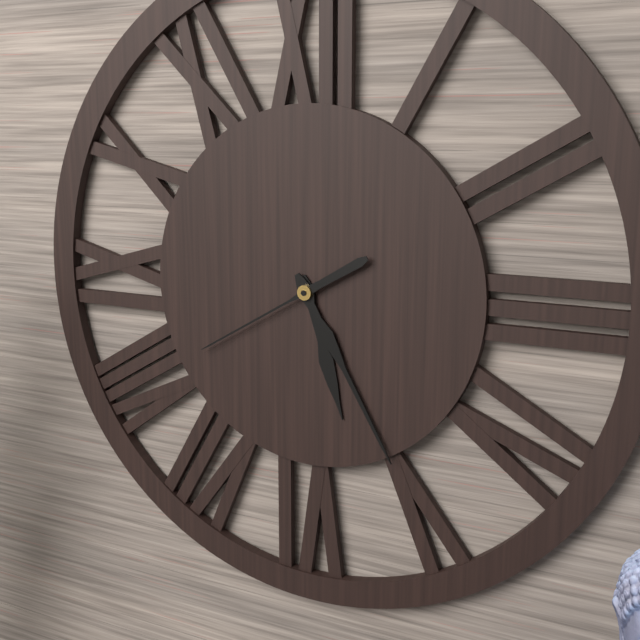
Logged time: {"hour": 5, "minute": 25, "second": 40}
